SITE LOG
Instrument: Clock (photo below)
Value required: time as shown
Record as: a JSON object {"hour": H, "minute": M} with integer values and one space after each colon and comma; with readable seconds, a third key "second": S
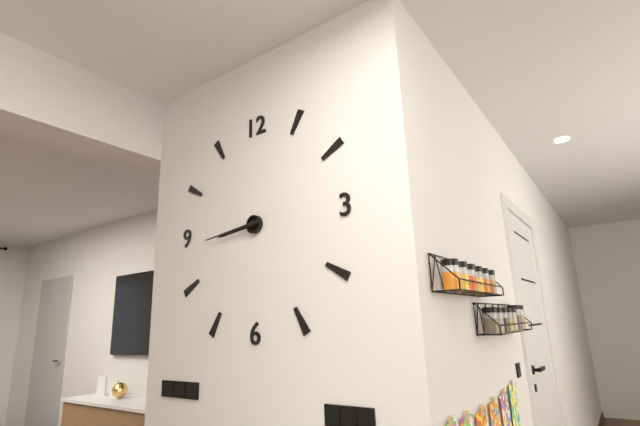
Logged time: {"hour": 8, "minute": 44}
